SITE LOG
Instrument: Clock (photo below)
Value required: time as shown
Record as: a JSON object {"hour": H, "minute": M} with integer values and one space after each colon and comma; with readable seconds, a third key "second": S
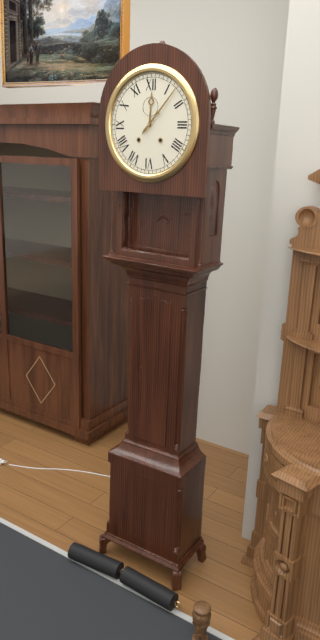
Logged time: {"hour": 12, "minute": 7}
